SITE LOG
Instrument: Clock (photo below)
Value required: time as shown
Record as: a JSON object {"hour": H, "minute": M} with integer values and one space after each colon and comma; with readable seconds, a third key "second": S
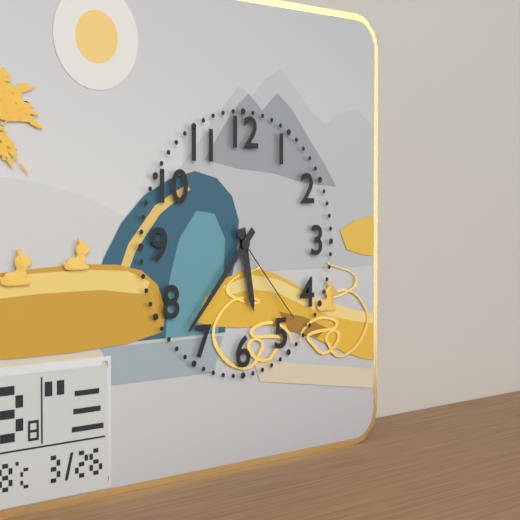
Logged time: {"hour": 5, "minute": 37, "second": 23}
